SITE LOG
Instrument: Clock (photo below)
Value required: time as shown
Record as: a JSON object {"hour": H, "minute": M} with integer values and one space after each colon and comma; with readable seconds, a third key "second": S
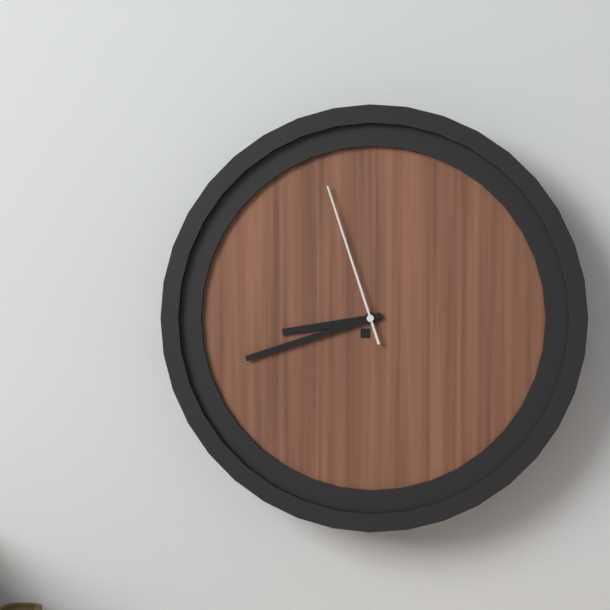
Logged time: {"hour": 8, "minute": 42, "second": 57}
